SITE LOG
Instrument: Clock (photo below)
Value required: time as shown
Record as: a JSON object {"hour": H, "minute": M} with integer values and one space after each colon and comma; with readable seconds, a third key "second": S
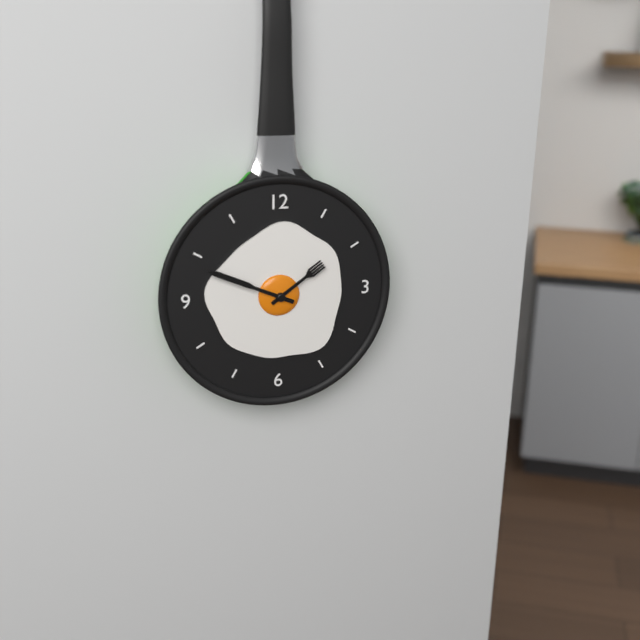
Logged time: {"hour": 1, "minute": 49}
